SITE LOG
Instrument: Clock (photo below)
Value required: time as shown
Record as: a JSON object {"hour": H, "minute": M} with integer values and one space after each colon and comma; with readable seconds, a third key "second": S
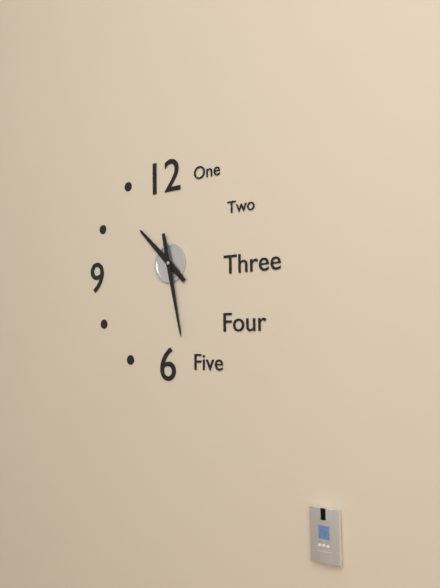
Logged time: {"hour": 10, "minute": 28}
